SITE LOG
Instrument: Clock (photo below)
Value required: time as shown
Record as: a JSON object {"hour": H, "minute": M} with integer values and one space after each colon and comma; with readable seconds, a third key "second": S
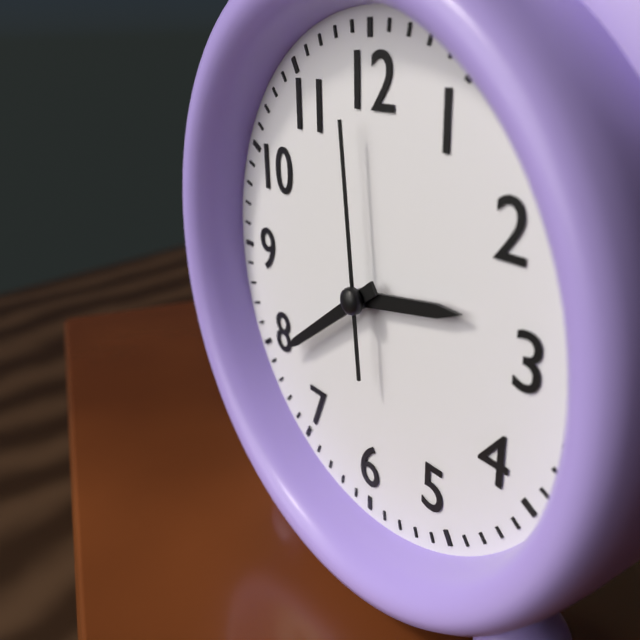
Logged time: {"hour": 2, "minute": 39, "second": 59}
